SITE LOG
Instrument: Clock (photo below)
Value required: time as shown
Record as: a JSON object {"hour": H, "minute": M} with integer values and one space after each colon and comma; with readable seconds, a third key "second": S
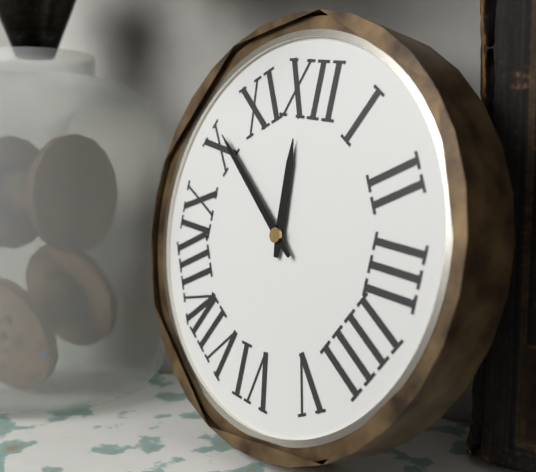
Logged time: {"hour": 11, "minute": 51}
